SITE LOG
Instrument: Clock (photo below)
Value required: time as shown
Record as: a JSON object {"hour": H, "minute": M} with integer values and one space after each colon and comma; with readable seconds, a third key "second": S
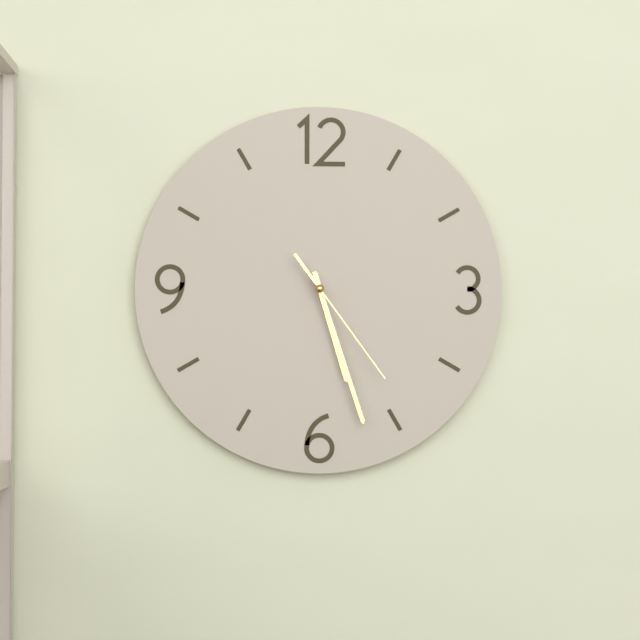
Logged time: {"hour": 5, "minute": 27, "second": 24}
